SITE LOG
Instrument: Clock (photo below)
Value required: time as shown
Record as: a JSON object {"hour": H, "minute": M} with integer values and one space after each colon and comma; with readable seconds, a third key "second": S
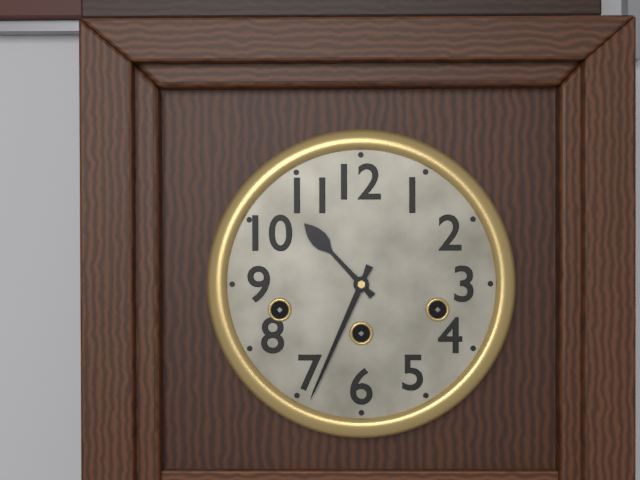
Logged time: {"hour": 10, "minute": 34}
